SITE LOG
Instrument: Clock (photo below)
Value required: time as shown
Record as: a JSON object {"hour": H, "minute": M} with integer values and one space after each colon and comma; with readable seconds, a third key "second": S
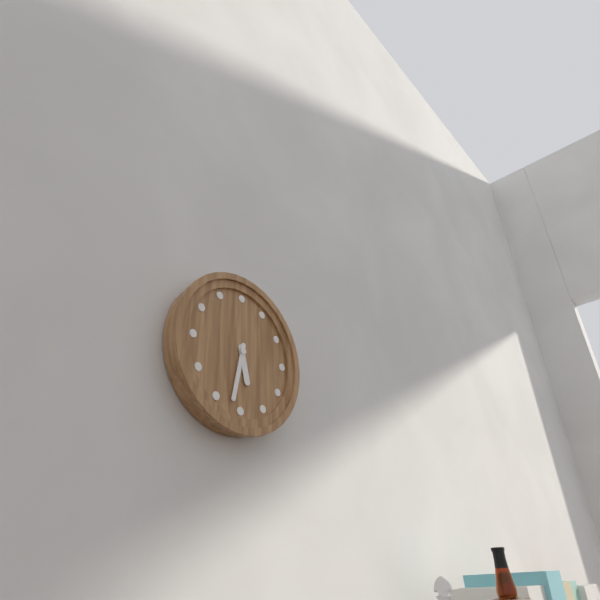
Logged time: {"hour": 5, "minute": 32}
